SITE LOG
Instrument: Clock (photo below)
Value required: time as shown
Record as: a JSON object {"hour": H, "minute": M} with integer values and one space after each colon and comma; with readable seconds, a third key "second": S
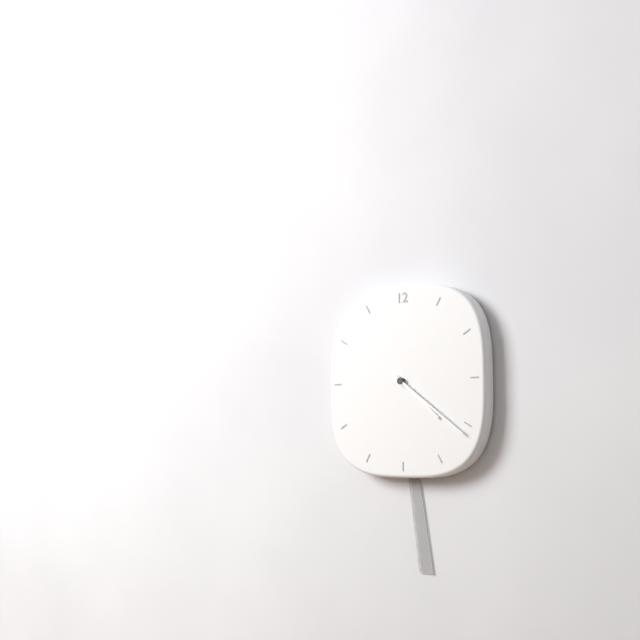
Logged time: {"hour": 4, "minute": 21}
